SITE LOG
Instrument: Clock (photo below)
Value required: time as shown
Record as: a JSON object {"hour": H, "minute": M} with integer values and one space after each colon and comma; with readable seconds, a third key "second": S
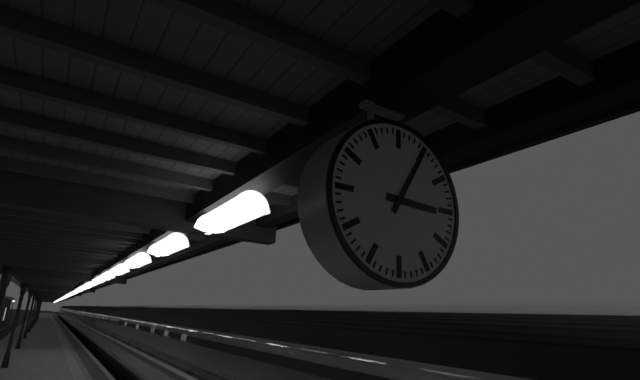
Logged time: {"hour": 3, "minute": 5}
